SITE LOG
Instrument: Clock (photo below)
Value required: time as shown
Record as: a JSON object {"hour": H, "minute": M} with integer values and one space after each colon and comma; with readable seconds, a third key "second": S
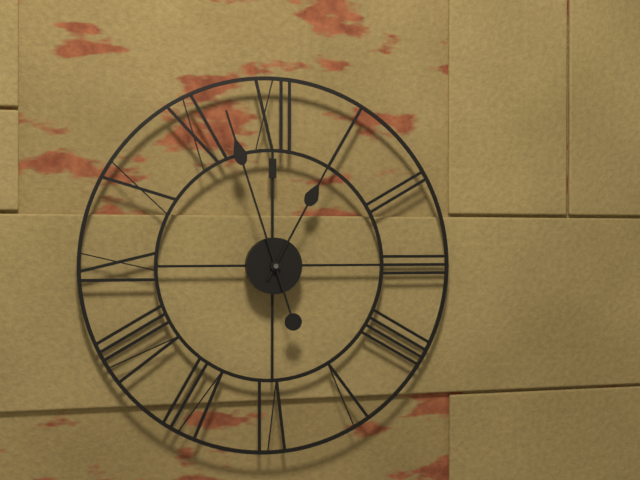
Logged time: {"hour": 12, "minute": 57}
